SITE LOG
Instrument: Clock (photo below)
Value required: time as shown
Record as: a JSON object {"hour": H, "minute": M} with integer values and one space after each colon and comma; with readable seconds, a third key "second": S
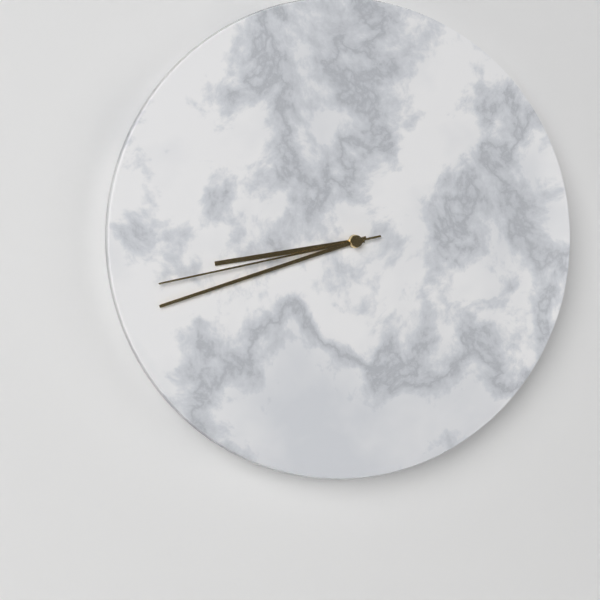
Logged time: {"hour": 8, "minute": 42, "second": 43}
